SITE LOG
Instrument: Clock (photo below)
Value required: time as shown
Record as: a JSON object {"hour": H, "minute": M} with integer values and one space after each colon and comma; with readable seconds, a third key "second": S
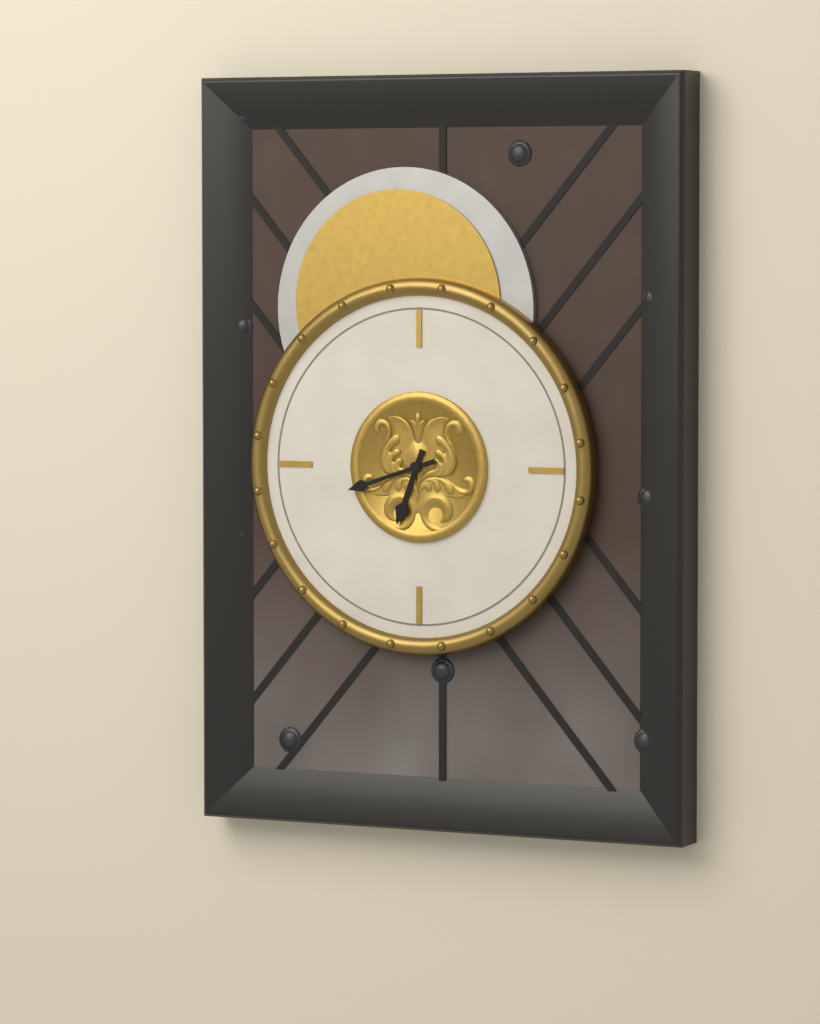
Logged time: {"hour": 6, "minute": 42}
